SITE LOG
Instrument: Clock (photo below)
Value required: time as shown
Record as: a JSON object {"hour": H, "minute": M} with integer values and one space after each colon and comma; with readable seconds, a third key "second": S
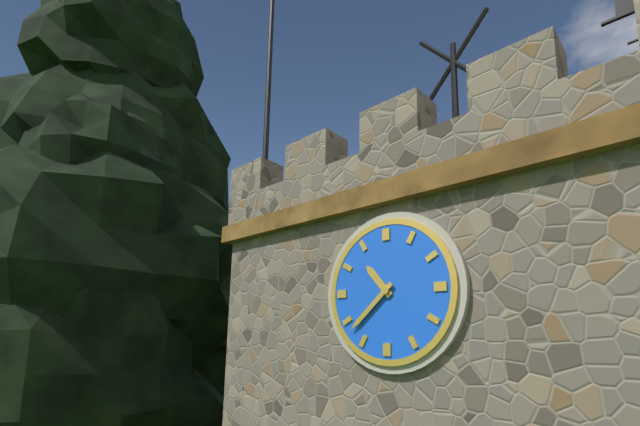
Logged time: {"hour": 10, "minute": 38}
